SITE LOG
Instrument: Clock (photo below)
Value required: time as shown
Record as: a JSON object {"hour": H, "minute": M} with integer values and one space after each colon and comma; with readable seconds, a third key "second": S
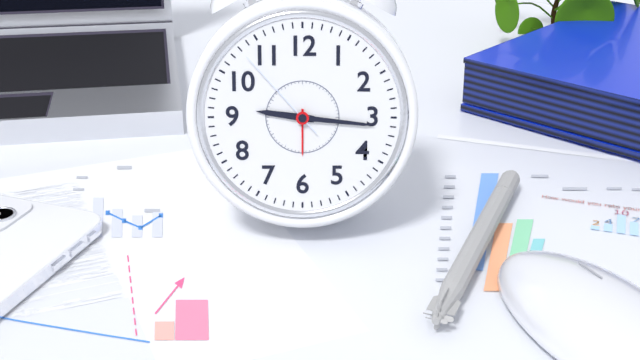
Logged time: {"hour": 9, "minute": 16, "second": 53}
